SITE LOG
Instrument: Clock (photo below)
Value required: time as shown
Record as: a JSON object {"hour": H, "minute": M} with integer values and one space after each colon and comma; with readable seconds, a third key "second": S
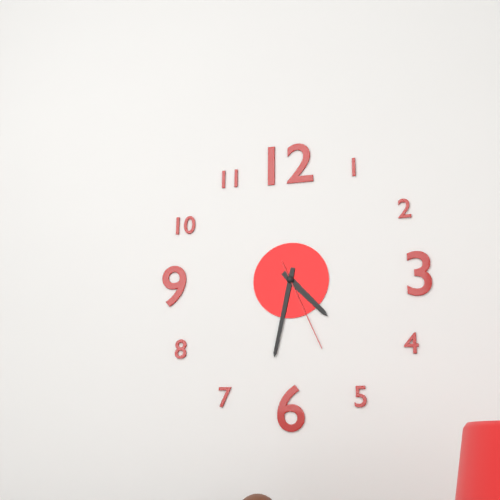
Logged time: {"hour": 4, "minute": 32, "second": 26}
